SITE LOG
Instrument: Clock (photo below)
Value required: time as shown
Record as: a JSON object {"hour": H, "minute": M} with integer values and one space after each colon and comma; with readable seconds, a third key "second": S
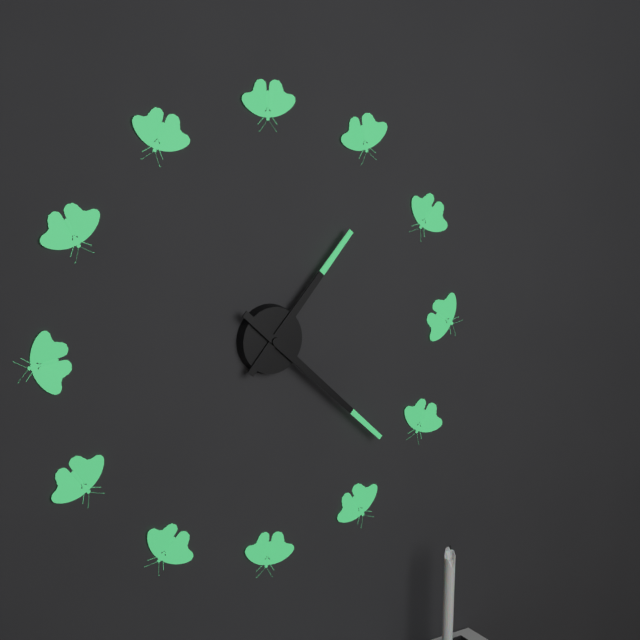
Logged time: {"hour": 1, "minute": 22}
